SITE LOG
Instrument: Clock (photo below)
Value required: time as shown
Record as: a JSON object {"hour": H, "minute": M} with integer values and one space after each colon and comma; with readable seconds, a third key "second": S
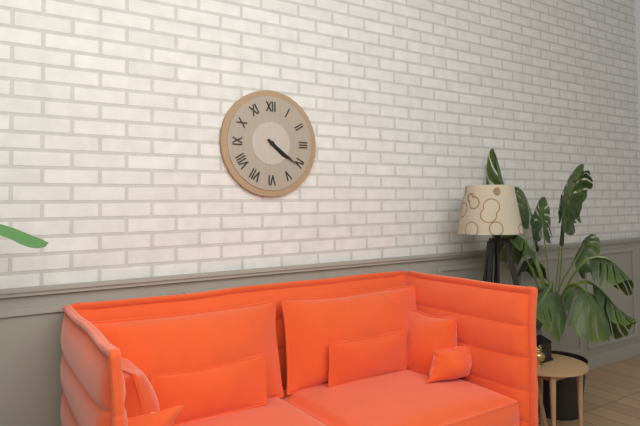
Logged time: {"hour": 4, "minute": 21}
